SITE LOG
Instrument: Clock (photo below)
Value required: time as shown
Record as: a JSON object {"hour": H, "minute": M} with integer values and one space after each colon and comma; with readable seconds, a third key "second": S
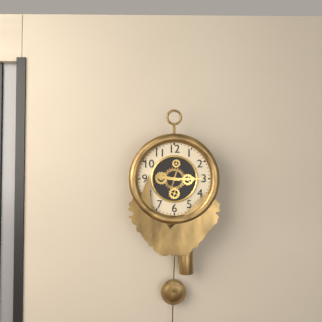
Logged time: {"hour": 9, "minute": 15}
